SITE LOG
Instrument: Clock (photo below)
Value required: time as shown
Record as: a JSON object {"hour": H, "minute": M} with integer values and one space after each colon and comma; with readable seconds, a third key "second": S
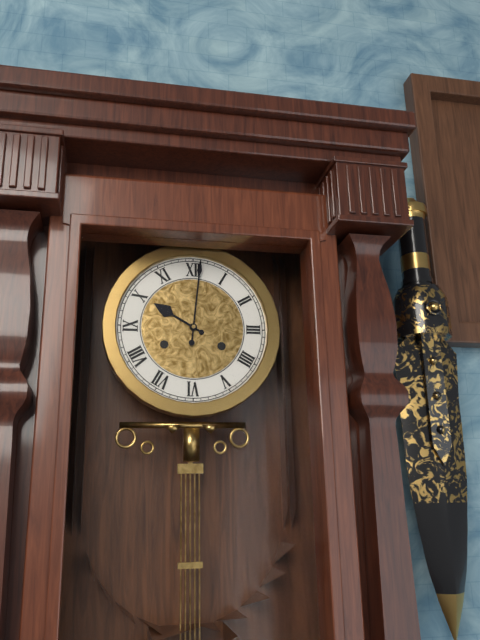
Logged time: {"hour": 10, "minute": 1}
